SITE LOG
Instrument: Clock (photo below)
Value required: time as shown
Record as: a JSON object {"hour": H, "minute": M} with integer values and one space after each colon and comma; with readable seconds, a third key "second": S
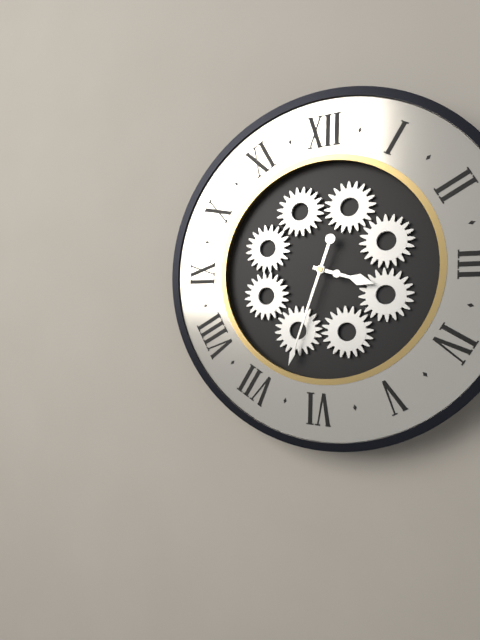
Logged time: {"hour": 3, "minute": 33}
